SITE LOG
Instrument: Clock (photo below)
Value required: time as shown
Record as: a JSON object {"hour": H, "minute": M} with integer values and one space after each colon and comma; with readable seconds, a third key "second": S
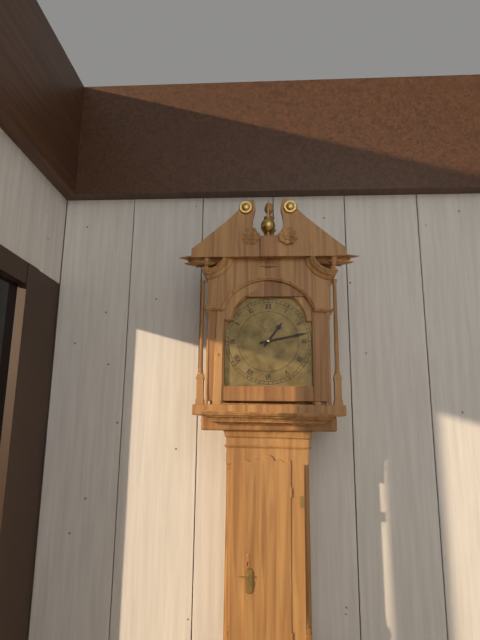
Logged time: {"hour": 1, "minute": 13}
